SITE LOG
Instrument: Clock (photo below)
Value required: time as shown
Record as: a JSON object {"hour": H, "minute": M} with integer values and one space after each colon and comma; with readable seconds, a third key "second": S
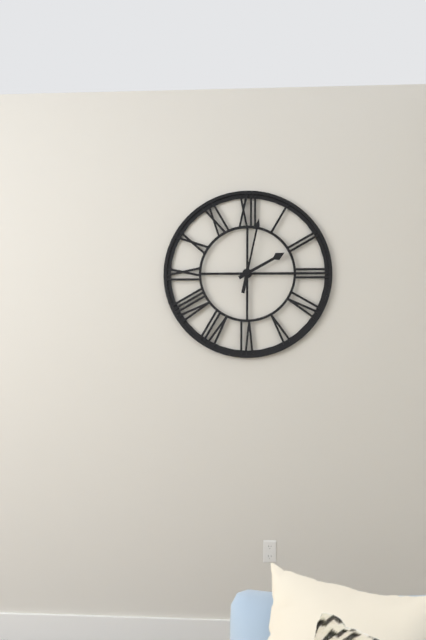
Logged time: {"hour": 2, "minute": 2}
